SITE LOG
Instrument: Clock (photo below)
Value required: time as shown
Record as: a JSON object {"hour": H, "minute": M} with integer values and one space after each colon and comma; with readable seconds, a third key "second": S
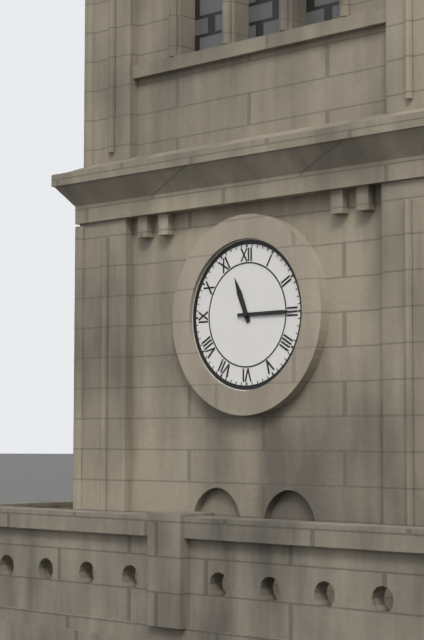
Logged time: {"hour": 11, "minute": 15}
